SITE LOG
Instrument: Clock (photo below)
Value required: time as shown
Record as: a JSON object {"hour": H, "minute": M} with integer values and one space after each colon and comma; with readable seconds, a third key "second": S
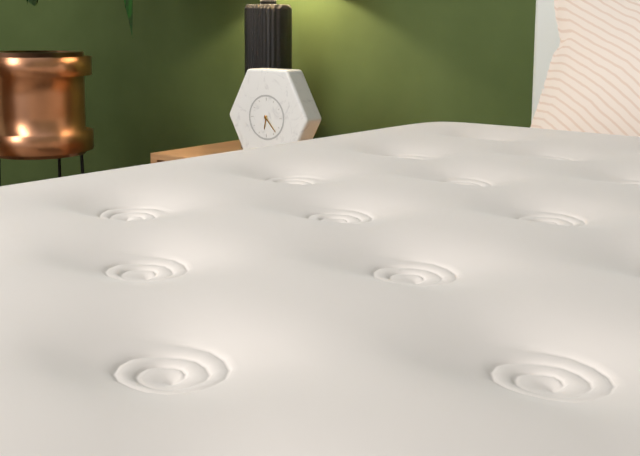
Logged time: {"hour": 6, "minute": 23}
